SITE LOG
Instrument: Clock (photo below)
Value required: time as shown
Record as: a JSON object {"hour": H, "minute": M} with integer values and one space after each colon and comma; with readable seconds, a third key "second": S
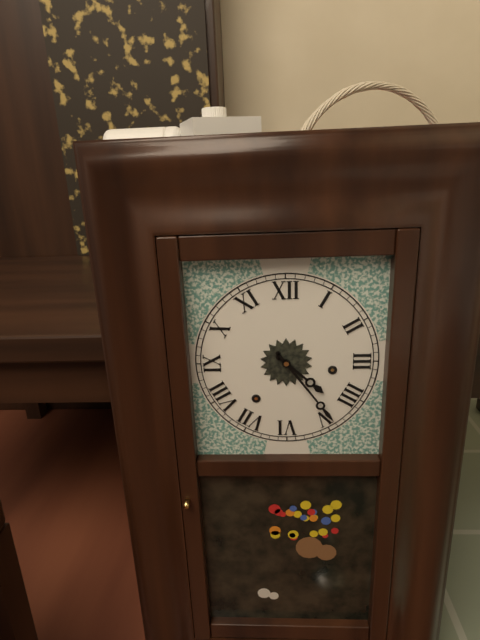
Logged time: {"hour": 4, "minute": 24}
